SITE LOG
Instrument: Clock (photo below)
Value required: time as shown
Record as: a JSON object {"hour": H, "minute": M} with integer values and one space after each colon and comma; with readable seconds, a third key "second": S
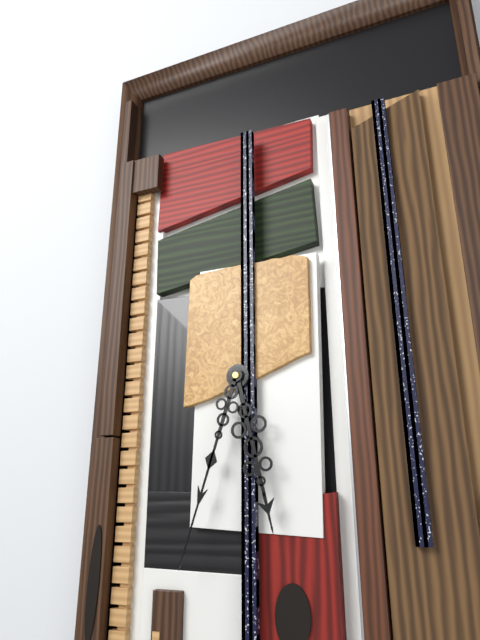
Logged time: {"hour": 5, "minute": 33}
